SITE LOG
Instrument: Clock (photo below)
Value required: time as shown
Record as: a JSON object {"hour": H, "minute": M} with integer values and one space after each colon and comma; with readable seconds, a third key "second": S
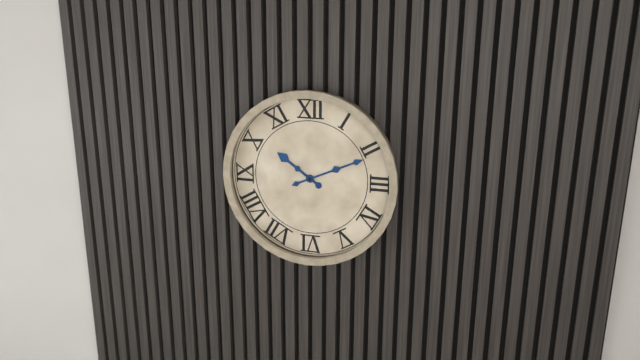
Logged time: {"hour": 10, "minute": 11}
